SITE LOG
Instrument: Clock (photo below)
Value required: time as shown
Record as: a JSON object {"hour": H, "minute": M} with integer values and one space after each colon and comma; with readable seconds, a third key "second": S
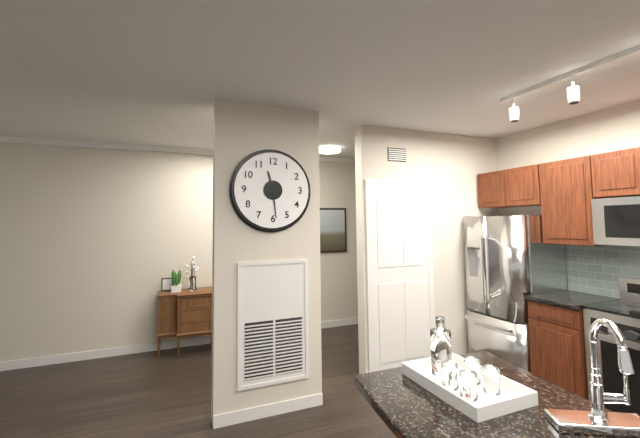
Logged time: {"hour": 11, "minute": 29}
